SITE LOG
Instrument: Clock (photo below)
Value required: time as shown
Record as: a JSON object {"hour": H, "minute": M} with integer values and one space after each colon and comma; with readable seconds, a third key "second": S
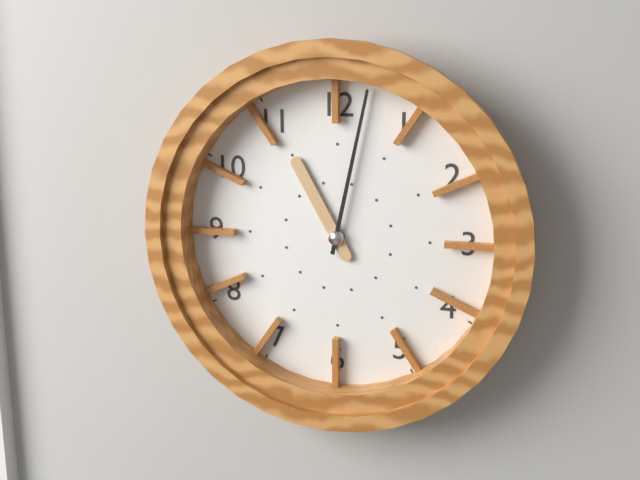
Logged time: {"hour": 11, "minute": 2}
